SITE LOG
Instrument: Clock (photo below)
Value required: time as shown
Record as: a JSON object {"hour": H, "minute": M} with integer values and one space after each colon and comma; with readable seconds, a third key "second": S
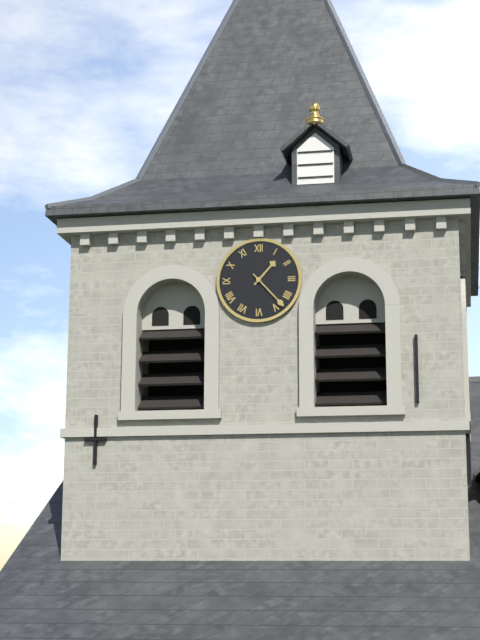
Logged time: {"hour": 1, "minute": 23}
